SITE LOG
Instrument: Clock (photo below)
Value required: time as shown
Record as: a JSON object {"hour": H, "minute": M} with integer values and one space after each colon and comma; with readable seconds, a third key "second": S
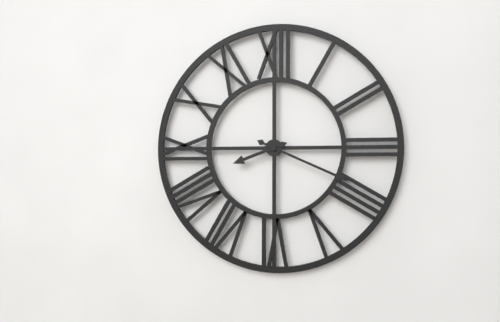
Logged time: {"hour": 8, "minute": 19}
